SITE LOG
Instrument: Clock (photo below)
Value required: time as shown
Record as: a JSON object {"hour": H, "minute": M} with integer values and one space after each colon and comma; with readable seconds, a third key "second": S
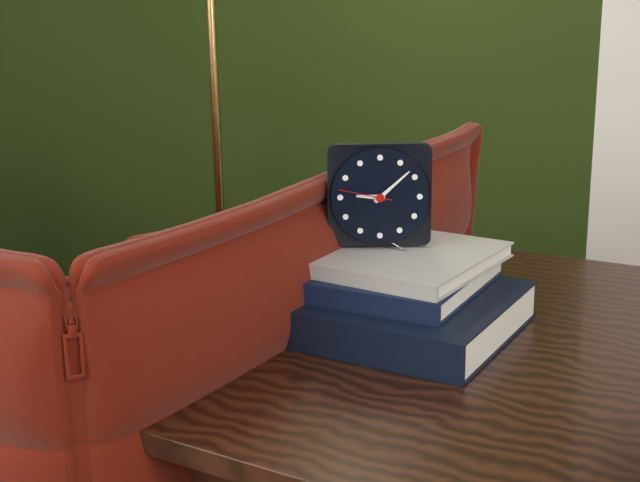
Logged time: {"hour": 9, "minute": 8, "second": 47}
